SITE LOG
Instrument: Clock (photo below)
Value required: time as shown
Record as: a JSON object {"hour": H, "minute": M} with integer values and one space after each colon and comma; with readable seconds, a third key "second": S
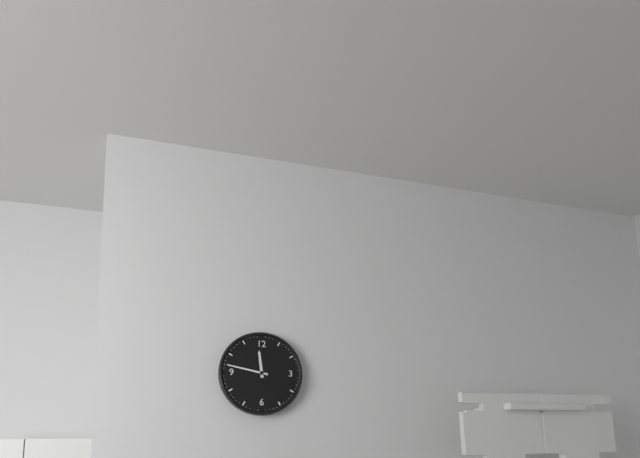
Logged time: {"hour": 11, "minute": 47}
